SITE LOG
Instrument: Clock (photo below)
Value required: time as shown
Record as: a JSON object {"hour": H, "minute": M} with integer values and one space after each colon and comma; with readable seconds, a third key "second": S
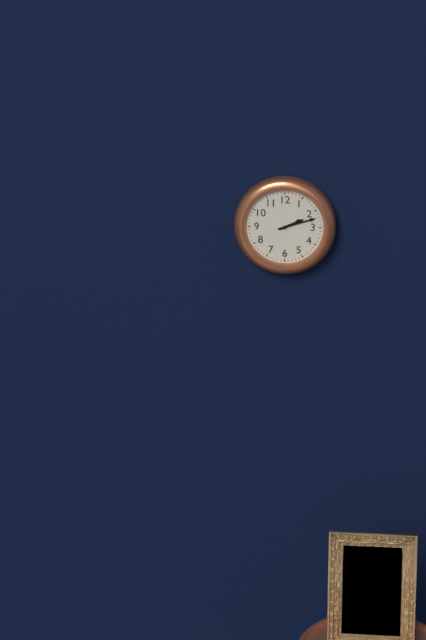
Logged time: {"hour": 2, "minute": 12}
